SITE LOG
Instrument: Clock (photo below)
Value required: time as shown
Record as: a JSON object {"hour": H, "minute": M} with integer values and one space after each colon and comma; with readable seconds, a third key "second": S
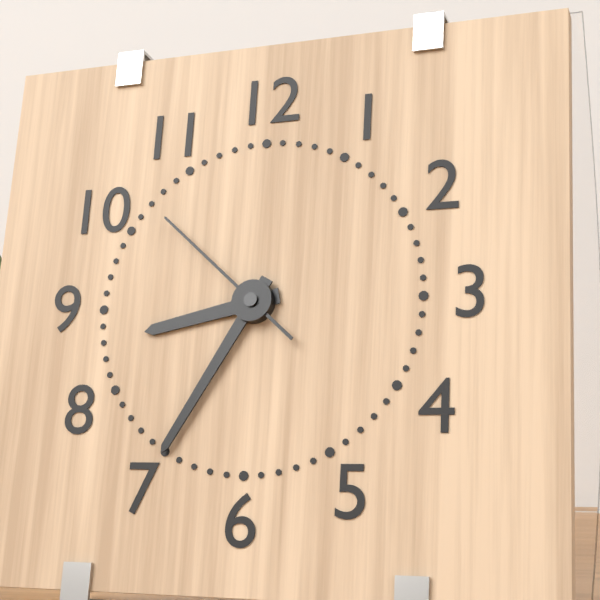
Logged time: {"hour": 8, "minute": 35, "second": 52}
